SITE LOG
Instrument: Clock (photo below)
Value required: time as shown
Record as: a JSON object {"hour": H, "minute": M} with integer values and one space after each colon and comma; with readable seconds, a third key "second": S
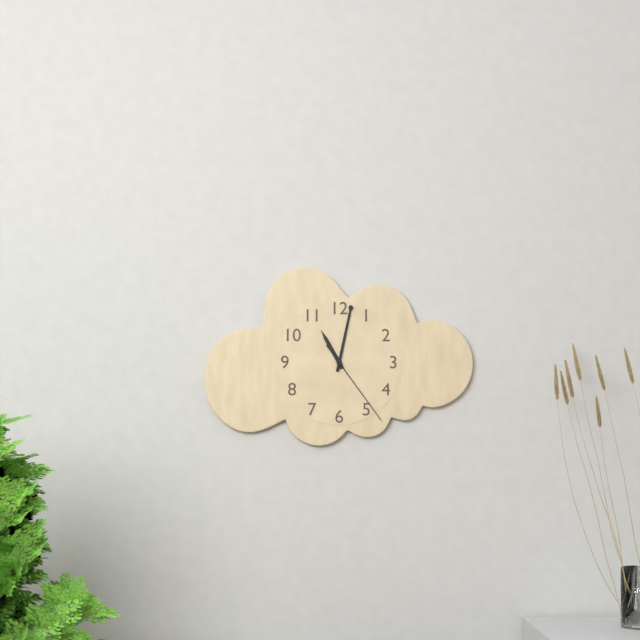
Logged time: {"hour": 11, "minute": 2, "second": 24}
